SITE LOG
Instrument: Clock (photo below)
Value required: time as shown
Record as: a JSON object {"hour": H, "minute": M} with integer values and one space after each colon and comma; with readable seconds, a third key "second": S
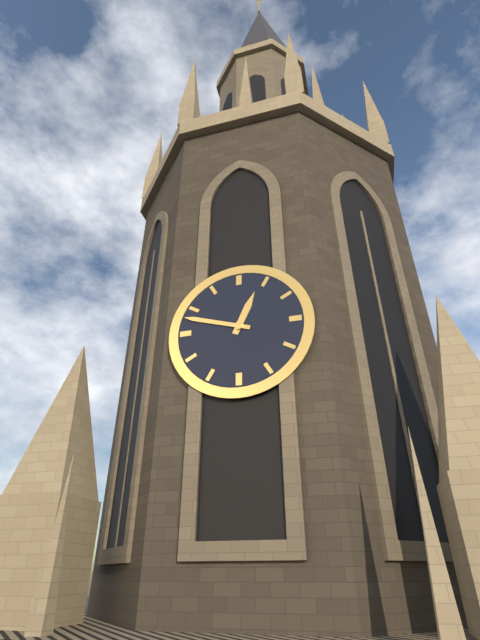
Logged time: {"hour": 12, "minute": 48}
